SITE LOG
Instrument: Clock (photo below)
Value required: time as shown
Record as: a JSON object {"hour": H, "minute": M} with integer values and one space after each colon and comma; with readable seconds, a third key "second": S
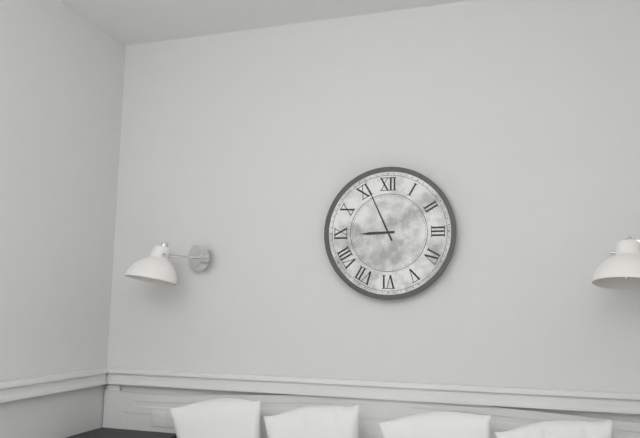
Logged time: {"hour": 8, "minute": 56}
